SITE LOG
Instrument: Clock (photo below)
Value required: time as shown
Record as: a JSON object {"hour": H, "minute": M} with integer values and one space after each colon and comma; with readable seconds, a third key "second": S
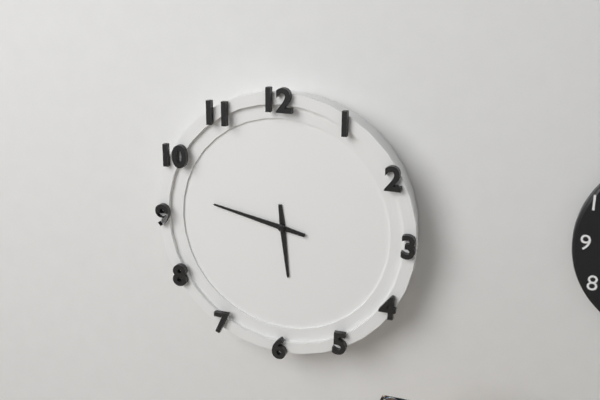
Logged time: {"hour": 5, "minute": 47}
